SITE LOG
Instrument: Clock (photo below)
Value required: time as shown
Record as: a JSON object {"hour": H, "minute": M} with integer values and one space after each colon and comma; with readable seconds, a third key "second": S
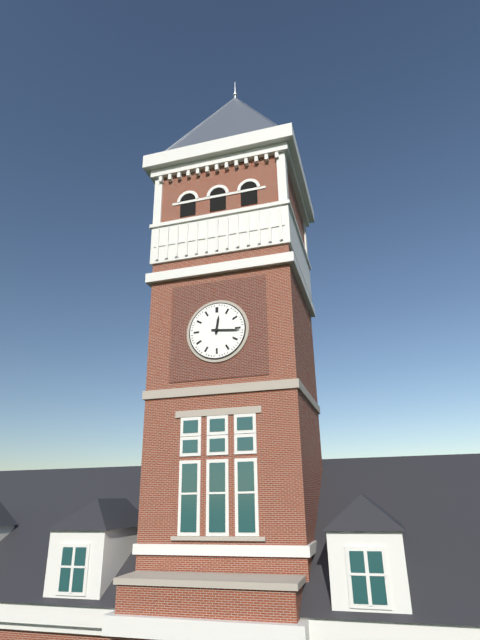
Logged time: {"hour": 12, "minute": 16}
